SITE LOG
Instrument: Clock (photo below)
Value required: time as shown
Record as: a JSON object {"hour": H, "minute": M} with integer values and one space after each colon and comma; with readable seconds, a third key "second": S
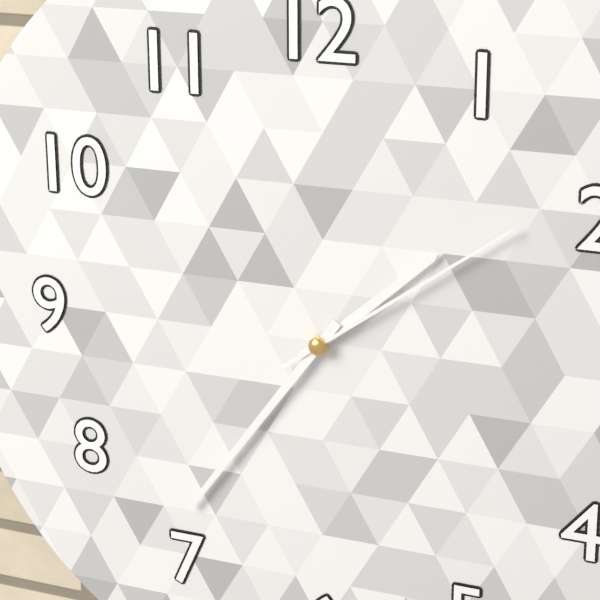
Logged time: {"hour": 1, "minute": 36, "second": 9}
